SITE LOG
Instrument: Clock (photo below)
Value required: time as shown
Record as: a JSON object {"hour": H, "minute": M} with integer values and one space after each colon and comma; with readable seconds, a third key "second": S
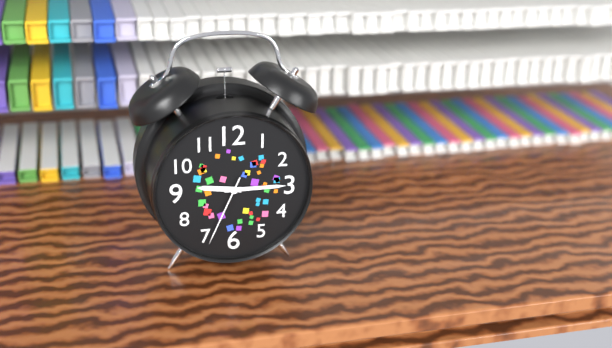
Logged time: {"hour": 9, "minute": 15, "second": 34}
